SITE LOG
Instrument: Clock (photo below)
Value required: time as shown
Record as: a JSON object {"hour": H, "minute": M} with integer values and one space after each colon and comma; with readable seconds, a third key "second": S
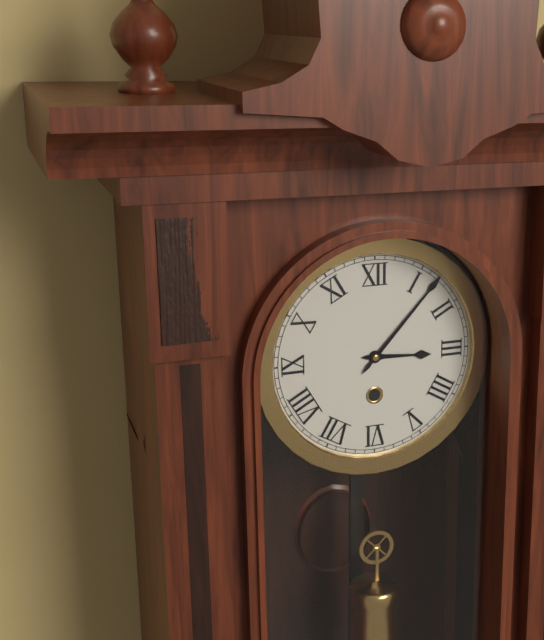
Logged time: {"hour": 3, "minute": 7}
